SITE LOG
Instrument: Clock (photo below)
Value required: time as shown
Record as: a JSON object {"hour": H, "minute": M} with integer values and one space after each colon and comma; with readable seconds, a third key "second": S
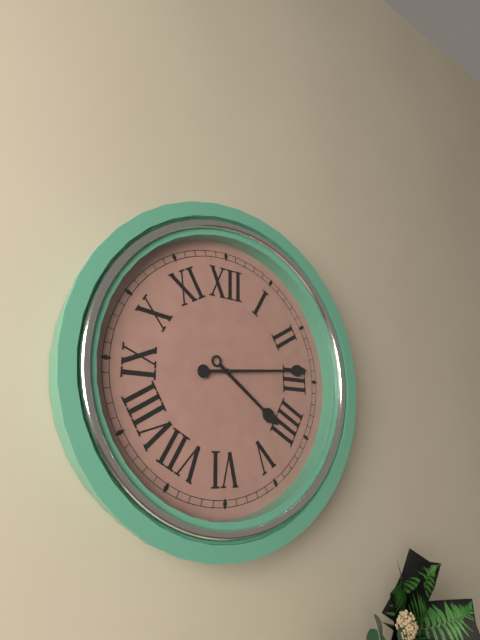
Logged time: {"hour": 4, "minute": 14}
